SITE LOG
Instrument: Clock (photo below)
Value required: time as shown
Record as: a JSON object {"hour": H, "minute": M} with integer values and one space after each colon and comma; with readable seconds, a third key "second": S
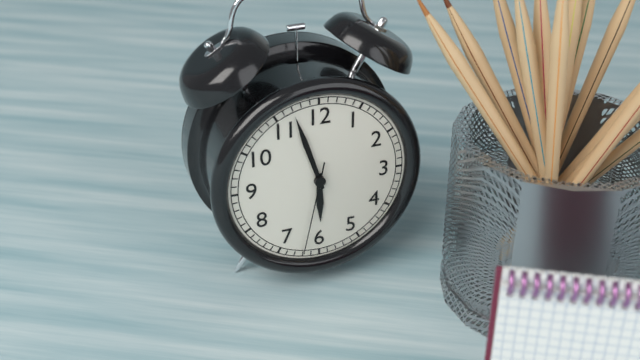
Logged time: {"hour": 5, "minute": 57, "second": 32}
